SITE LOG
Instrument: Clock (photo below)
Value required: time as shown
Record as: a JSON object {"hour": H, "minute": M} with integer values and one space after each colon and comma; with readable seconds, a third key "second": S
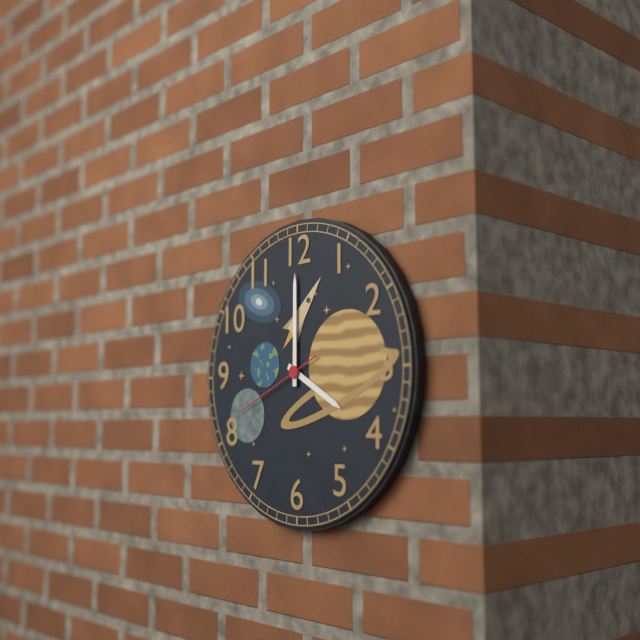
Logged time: {"hour": 4, "minute": 0, "second": 41}
